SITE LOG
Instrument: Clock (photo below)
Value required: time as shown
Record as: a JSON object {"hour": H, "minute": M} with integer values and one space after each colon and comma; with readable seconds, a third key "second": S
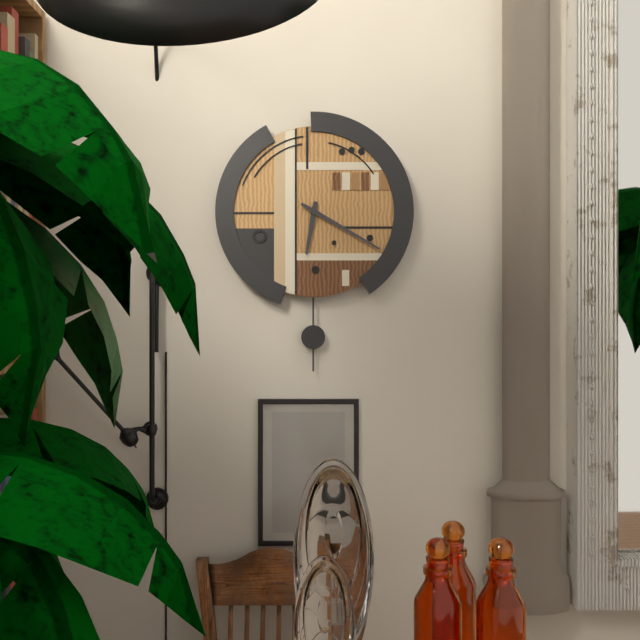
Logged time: {"hour": 6, "minute": 20}
